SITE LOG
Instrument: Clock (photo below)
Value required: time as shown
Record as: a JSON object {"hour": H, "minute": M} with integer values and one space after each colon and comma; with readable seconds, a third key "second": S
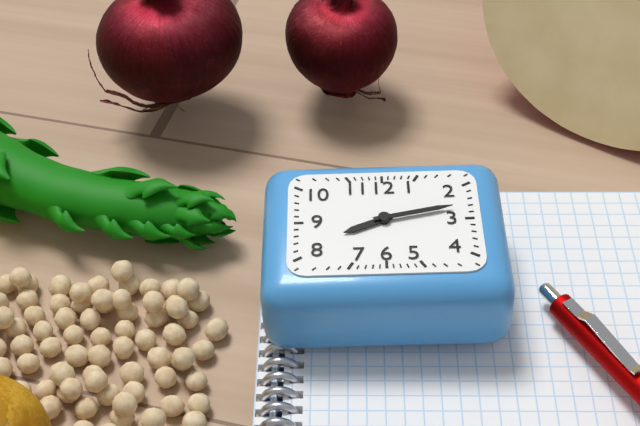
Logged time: {"hour": 8, "minute": 13}
